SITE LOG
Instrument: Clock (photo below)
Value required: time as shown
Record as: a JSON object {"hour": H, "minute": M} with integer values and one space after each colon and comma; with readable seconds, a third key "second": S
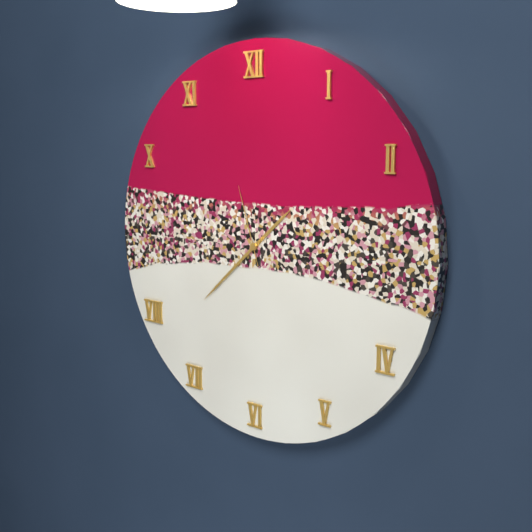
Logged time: {"hour": 1, "minute": 38, "second": 57}
